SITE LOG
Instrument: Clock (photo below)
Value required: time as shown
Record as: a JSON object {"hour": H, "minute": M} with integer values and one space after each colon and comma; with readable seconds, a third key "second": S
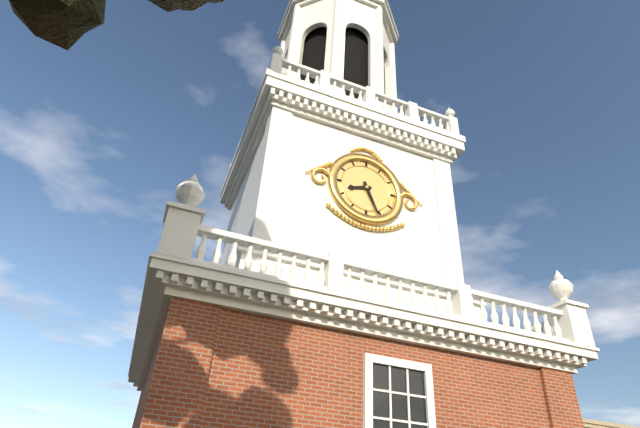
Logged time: {"hour": 8, "minute": 26}
